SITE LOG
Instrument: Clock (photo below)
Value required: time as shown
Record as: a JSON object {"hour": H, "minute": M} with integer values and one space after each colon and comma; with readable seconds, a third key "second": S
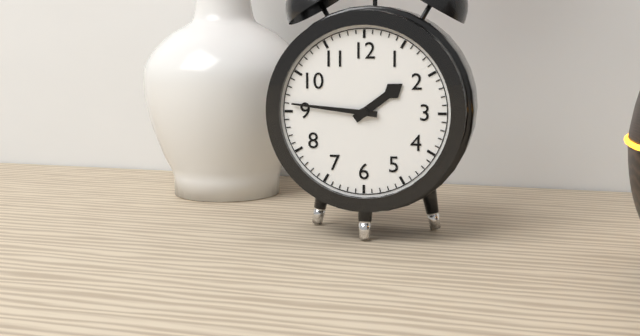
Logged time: {"hour": 1, "minute": 46}
